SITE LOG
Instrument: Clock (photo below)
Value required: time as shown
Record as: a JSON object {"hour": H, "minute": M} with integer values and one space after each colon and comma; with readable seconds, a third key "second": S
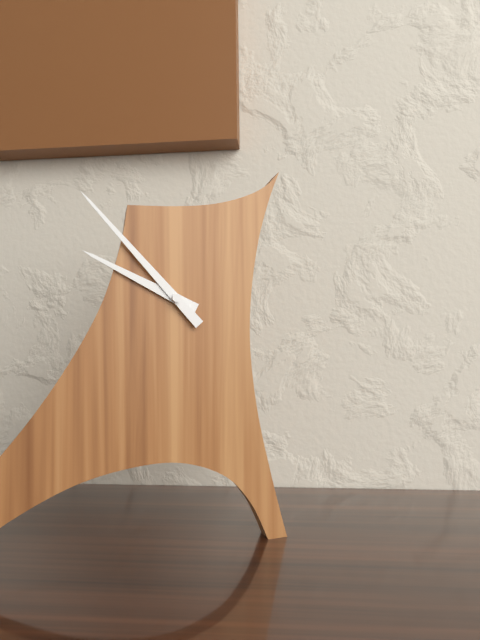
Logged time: {"hour": 9, "minute": 53}
